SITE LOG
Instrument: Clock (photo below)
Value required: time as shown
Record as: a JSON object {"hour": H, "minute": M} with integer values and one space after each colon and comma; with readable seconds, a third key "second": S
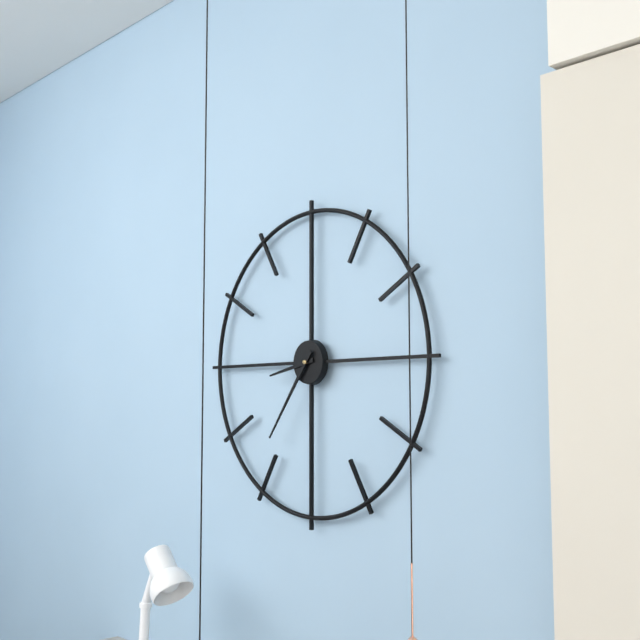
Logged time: {"hour": 8, "minute": 36}
